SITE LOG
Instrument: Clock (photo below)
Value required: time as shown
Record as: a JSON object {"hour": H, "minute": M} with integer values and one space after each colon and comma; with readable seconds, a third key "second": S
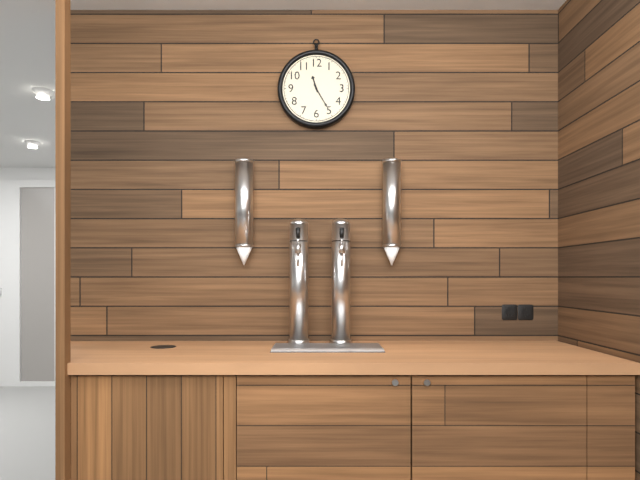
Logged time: {"hour": 11, "minute": 25}
